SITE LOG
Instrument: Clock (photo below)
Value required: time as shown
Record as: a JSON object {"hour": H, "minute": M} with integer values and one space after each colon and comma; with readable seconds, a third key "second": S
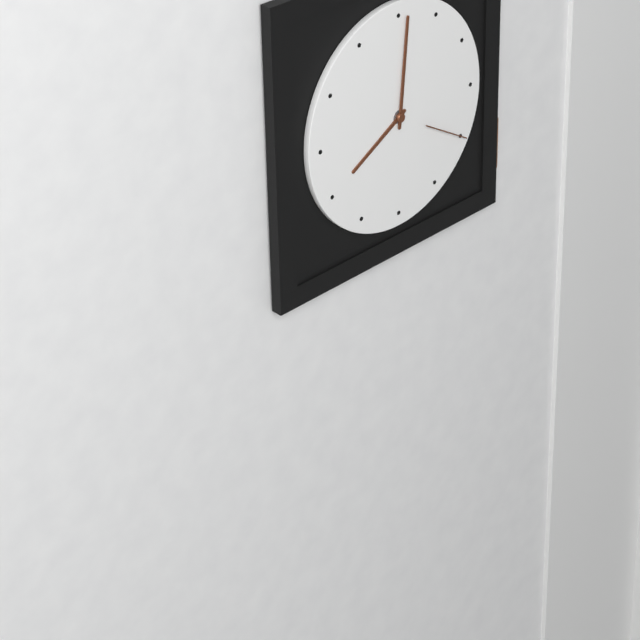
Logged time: {"hour": 8, "minute": 1, "second": 20}
